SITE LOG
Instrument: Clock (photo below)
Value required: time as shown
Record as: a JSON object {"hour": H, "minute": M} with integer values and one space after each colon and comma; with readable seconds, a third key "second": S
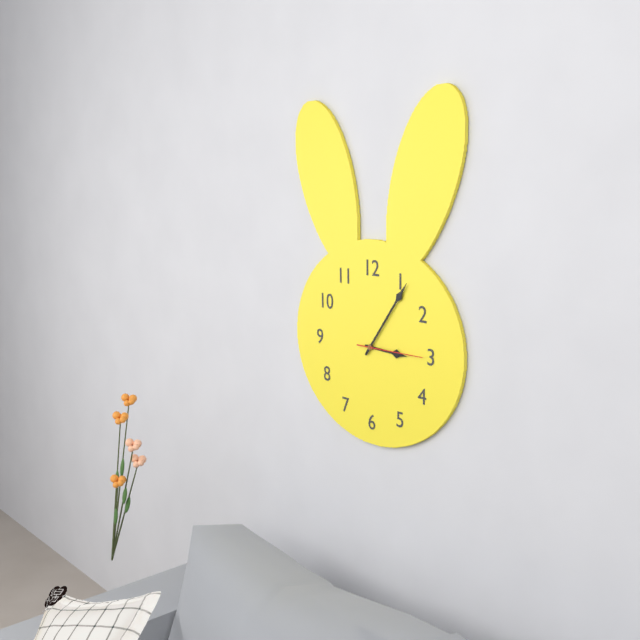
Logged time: {"hour": 3, "minute": 6, "second": 15}
